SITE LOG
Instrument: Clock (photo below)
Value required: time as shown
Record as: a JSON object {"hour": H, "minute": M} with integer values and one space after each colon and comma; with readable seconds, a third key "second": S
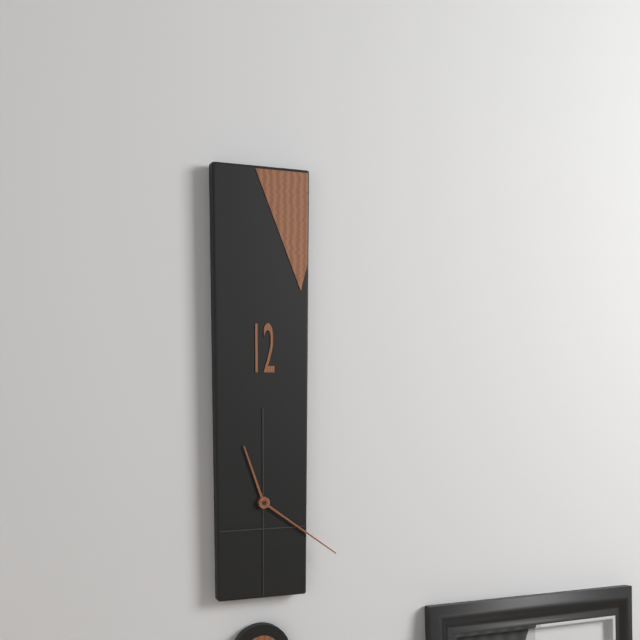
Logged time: {"hour": 11, "minute": 21}
